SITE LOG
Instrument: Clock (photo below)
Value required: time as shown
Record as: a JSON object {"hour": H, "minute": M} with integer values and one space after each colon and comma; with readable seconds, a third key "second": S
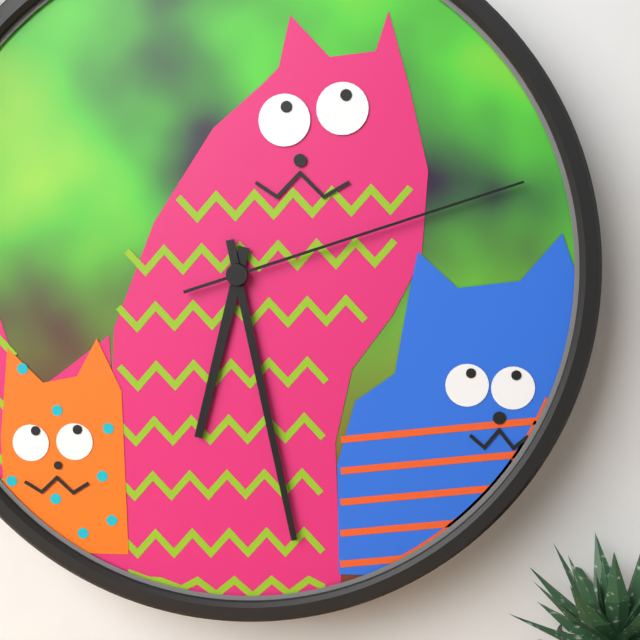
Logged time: {"hour": 6, "minute": 28, "second": 12}
